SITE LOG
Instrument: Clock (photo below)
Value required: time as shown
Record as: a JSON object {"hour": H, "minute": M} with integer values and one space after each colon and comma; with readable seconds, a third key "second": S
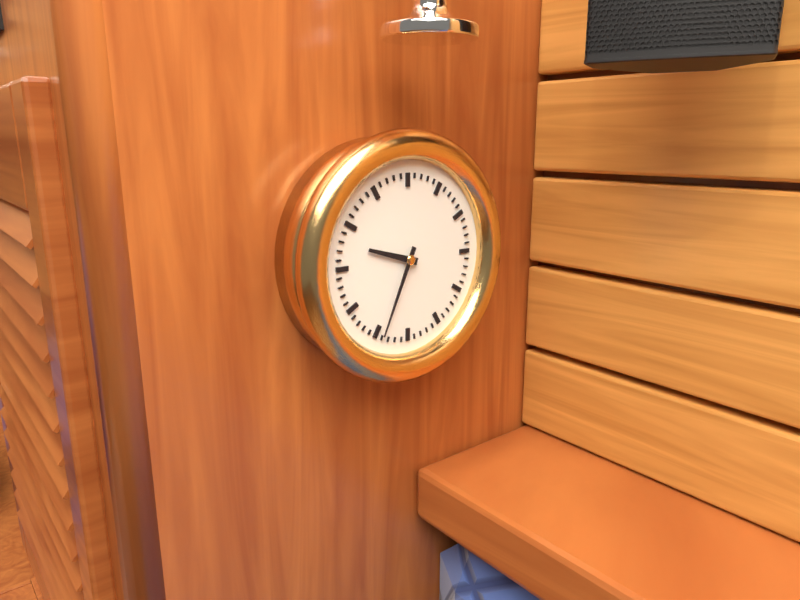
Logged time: {"hour": 9, "minute": 34}
